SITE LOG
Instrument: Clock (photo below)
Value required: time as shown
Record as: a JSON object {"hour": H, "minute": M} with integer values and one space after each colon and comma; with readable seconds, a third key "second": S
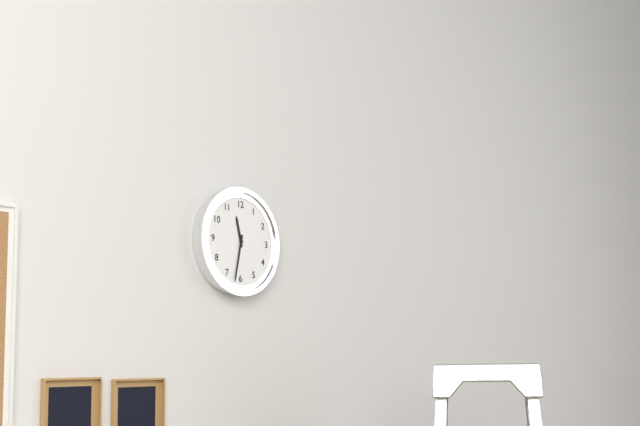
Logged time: {"hour": 11, "minute": 32}
